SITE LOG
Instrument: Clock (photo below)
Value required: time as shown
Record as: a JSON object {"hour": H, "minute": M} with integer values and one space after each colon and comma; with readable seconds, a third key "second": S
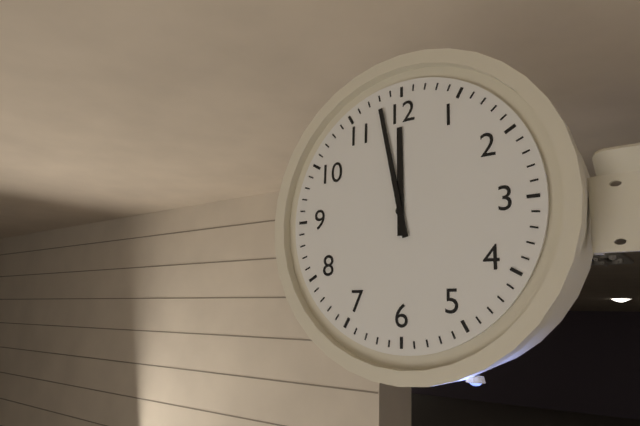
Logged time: {"hour": 11, "minute": 58}
